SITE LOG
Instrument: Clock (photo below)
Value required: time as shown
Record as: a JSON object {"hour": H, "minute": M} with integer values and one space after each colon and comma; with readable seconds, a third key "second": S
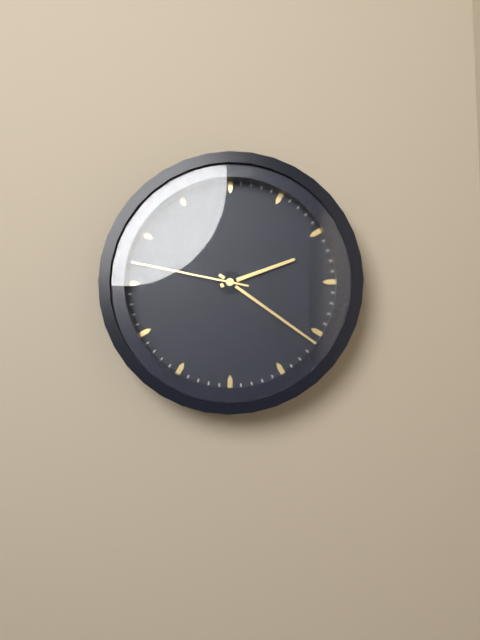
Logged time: {"hour": 2, "minute": 21, "second": 47}
